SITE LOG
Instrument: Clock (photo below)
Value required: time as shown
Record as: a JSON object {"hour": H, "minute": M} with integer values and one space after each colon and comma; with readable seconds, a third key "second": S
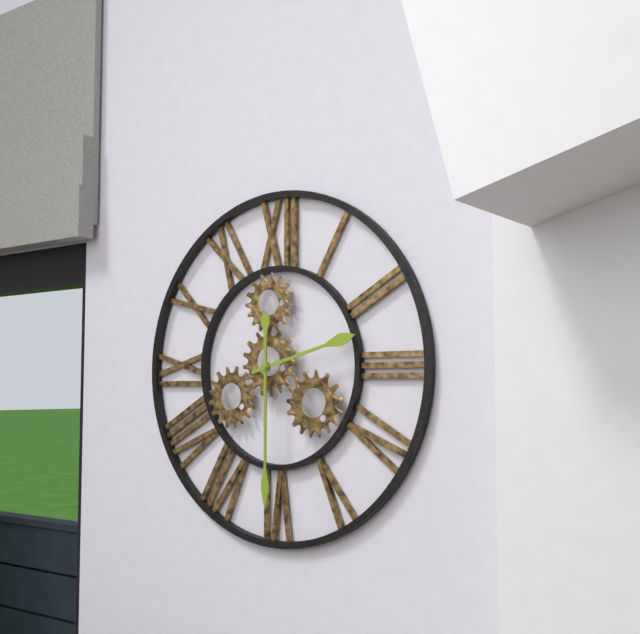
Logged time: {"hour": 2, "minute": 30}
